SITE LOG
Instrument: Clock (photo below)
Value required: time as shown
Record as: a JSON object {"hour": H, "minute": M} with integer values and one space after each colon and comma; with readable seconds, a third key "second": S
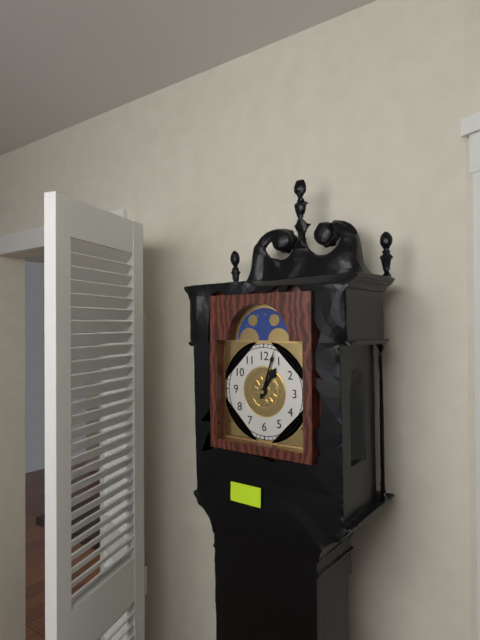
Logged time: {"hour": 1, "minute": 3}
